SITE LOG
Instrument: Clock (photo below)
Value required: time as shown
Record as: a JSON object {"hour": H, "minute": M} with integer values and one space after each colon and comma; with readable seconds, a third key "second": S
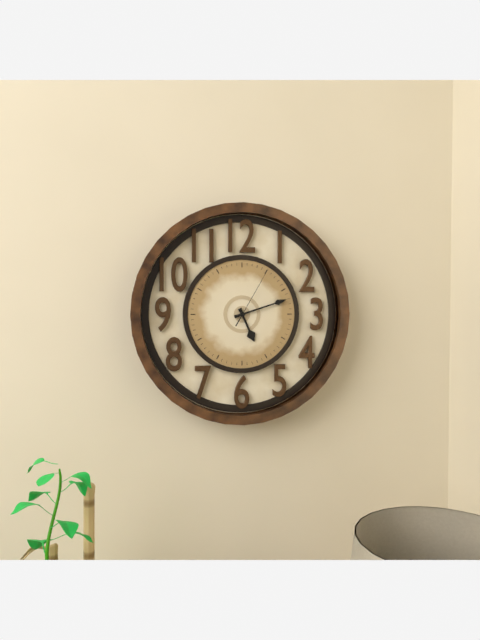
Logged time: {"hour": 5, "minute": 12, "second": 5}
